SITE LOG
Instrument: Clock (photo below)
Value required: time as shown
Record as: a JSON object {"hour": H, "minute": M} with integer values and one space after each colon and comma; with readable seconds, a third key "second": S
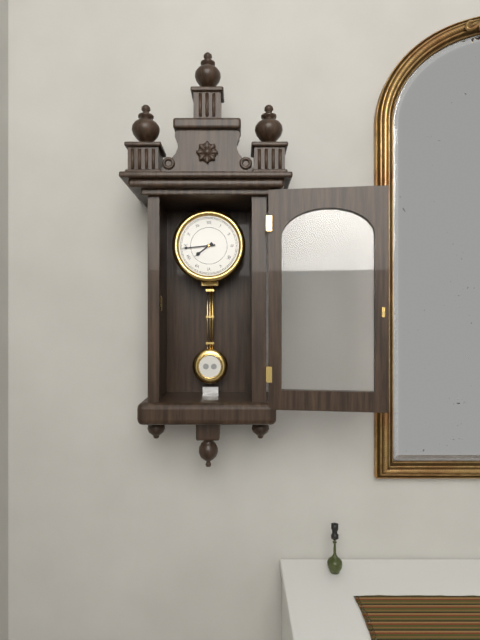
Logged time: {"hour": 7, "minute": 44}
